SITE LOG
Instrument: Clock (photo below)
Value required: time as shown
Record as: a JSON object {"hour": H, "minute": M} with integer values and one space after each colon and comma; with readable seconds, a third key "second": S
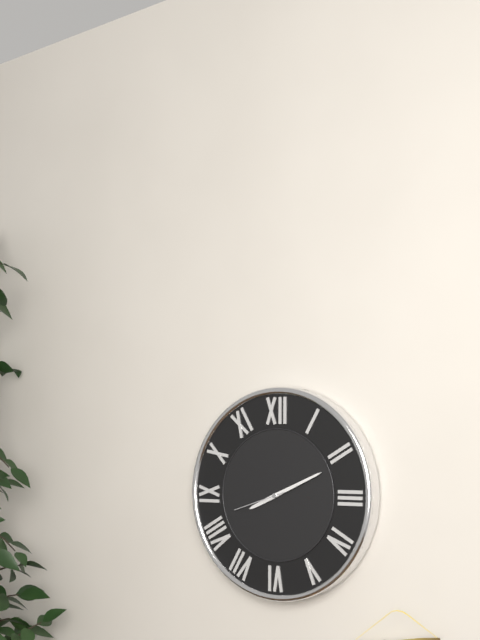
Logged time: {"hour": 8, "minute": 11, "second": 42}
